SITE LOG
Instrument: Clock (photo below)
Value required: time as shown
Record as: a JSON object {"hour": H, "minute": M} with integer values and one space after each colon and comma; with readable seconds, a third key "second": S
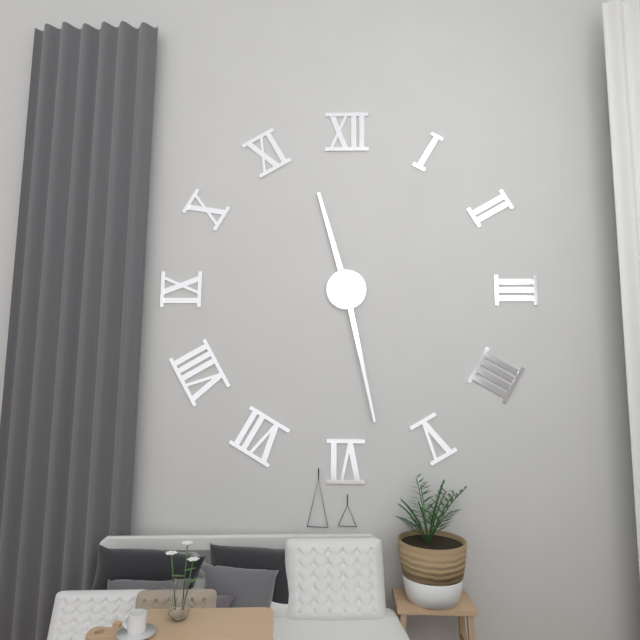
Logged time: {"hour": 11, "minute": 28}
